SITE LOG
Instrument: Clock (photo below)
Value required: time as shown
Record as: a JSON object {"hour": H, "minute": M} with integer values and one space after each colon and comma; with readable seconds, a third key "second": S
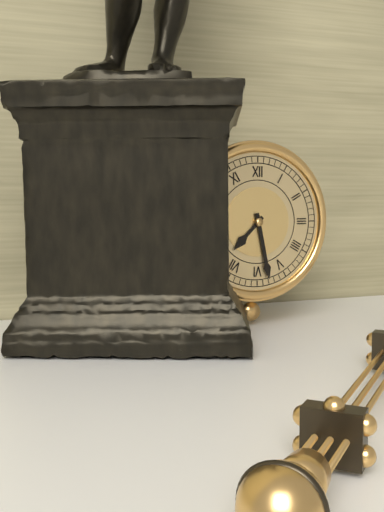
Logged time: {"hour": 7, "minute": 28}
